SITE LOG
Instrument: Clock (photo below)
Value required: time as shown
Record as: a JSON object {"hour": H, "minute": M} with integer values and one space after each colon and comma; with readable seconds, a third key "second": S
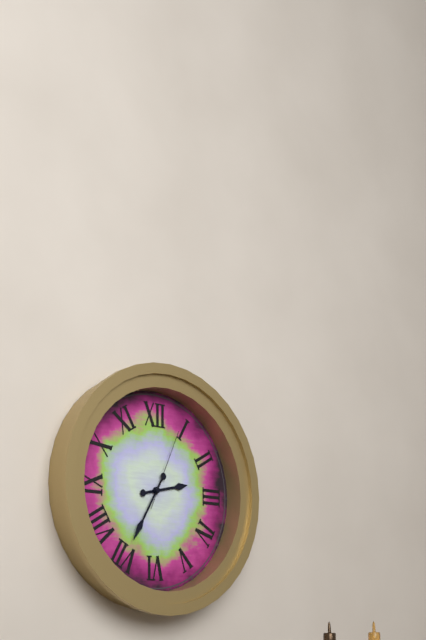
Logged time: {"hour": 2, "minute": 35, "second": 4}
